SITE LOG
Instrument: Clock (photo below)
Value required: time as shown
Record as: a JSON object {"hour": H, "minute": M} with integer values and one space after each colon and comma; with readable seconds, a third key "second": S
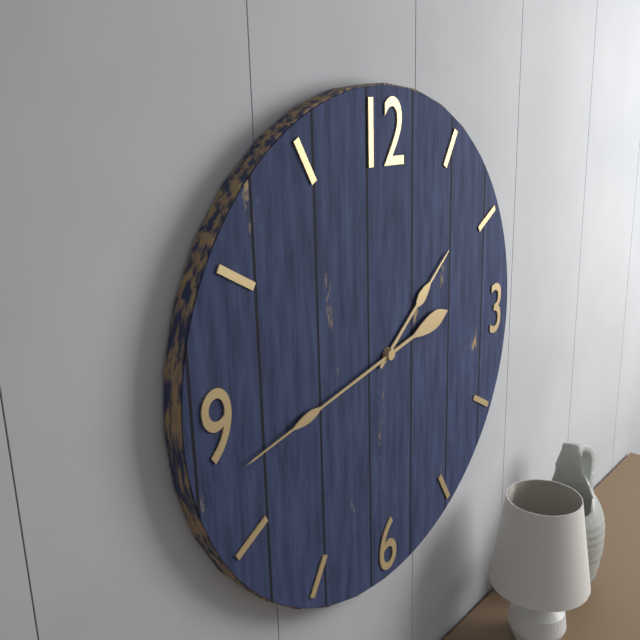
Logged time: {"hour": 1, "minute": 43}
